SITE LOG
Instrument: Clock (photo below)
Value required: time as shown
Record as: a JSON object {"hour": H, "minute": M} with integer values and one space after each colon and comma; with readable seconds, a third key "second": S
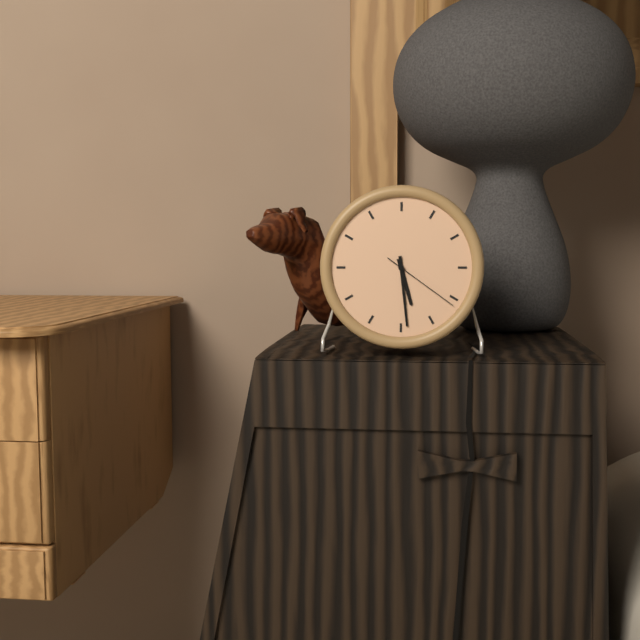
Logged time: {"hour": 5, "minute": 29, "second": 21}
